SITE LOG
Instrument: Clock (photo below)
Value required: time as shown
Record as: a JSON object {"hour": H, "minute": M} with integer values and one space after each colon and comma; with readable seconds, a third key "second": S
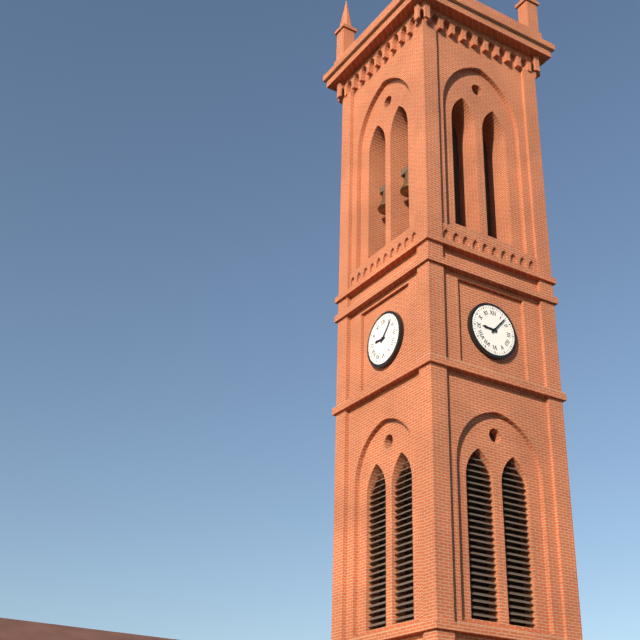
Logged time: {"hour": 9, "minute": 7}
